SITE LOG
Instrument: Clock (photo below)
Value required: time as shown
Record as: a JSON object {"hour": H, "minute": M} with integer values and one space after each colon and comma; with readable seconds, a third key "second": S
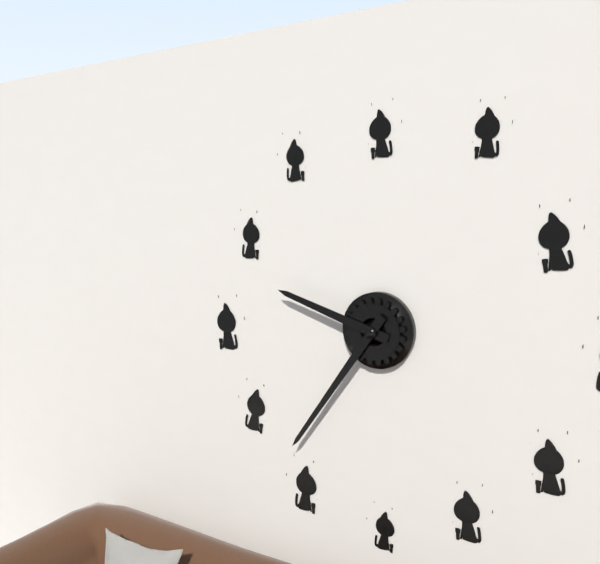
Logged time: {"hour": 9, "minute": 36}
